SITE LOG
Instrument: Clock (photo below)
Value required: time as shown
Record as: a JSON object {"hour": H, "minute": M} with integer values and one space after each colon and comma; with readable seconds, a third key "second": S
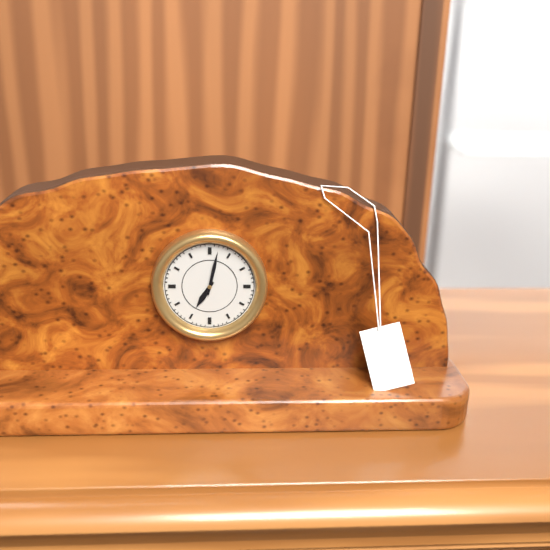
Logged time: {"hour": 7, "minute": 2}
